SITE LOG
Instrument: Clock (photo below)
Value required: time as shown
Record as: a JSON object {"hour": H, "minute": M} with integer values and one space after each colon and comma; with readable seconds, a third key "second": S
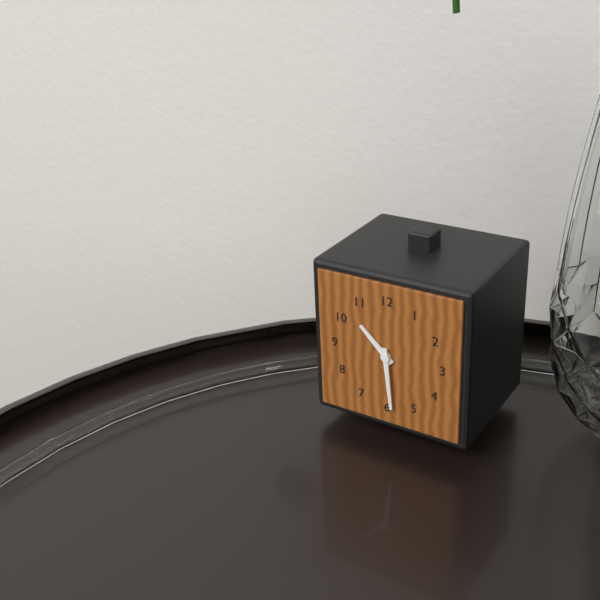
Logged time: {"hour": 10, "minute": 29}
